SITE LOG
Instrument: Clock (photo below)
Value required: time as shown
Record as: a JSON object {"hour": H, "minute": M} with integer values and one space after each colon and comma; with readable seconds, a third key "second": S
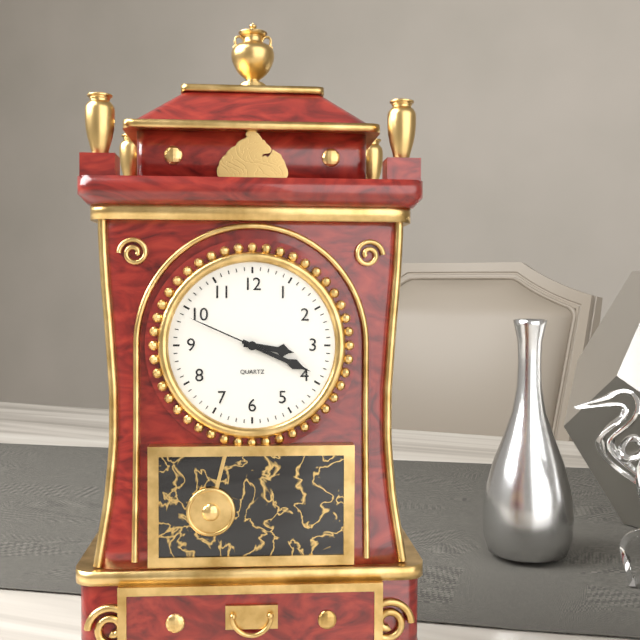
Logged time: {"hour": 3, "minute": 19, "second": 49}
